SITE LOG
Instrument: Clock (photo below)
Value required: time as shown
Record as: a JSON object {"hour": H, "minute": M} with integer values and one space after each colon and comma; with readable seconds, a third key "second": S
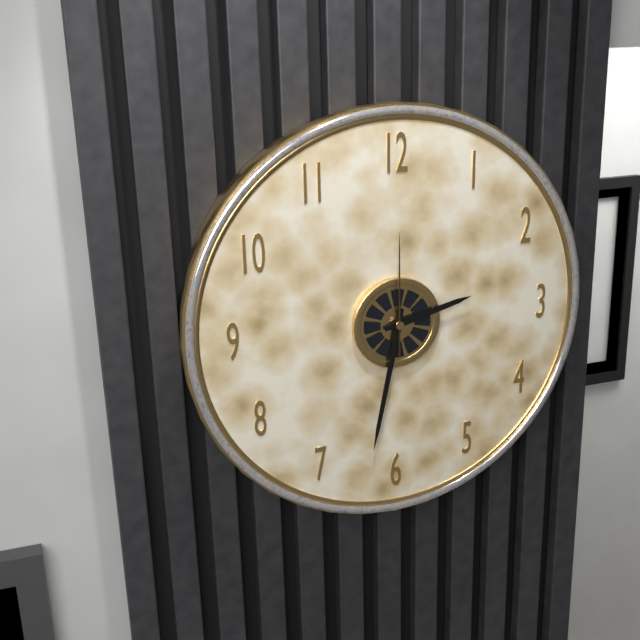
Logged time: {"hour": 2, "minute": 32, "second": 0}
